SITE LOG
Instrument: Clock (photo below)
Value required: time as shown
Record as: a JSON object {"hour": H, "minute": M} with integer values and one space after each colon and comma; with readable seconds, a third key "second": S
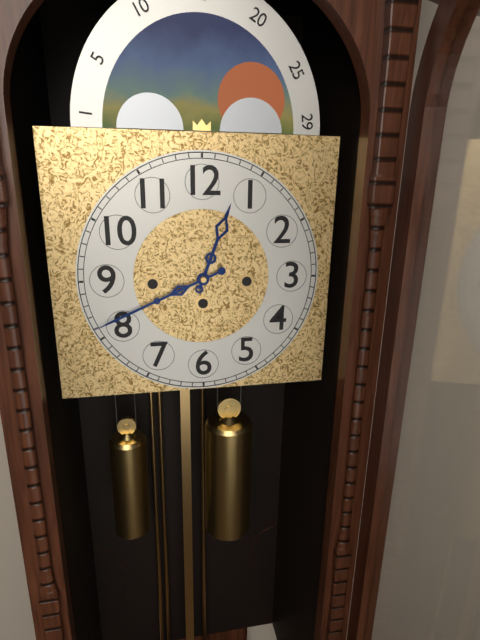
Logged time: {"hour": 12, "minute": 41}
